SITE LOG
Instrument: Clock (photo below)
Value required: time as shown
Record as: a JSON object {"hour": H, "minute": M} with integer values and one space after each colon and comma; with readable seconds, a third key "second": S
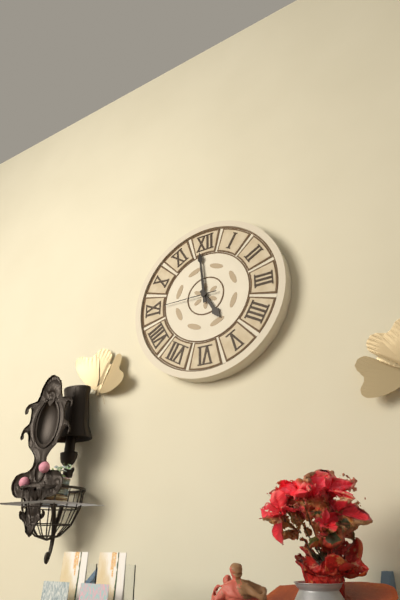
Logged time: {"hour": 4, "minute": 59, "second": 45}
